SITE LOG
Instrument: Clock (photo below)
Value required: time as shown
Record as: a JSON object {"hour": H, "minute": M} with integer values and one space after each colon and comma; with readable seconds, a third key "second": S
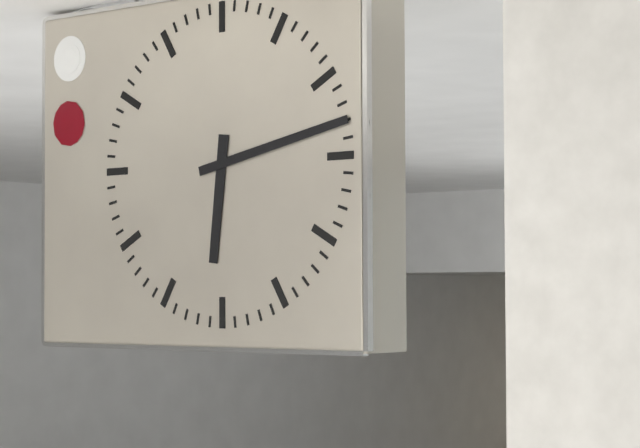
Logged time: {"hour": 6, "minute": 13}
